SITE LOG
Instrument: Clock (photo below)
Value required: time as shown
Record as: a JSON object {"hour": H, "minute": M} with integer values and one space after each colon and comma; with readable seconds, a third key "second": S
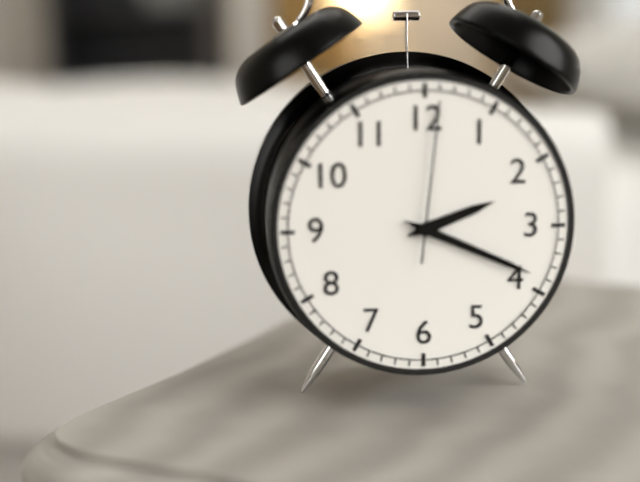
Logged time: {"hour": 2, "minute": 19, "second": 1}
